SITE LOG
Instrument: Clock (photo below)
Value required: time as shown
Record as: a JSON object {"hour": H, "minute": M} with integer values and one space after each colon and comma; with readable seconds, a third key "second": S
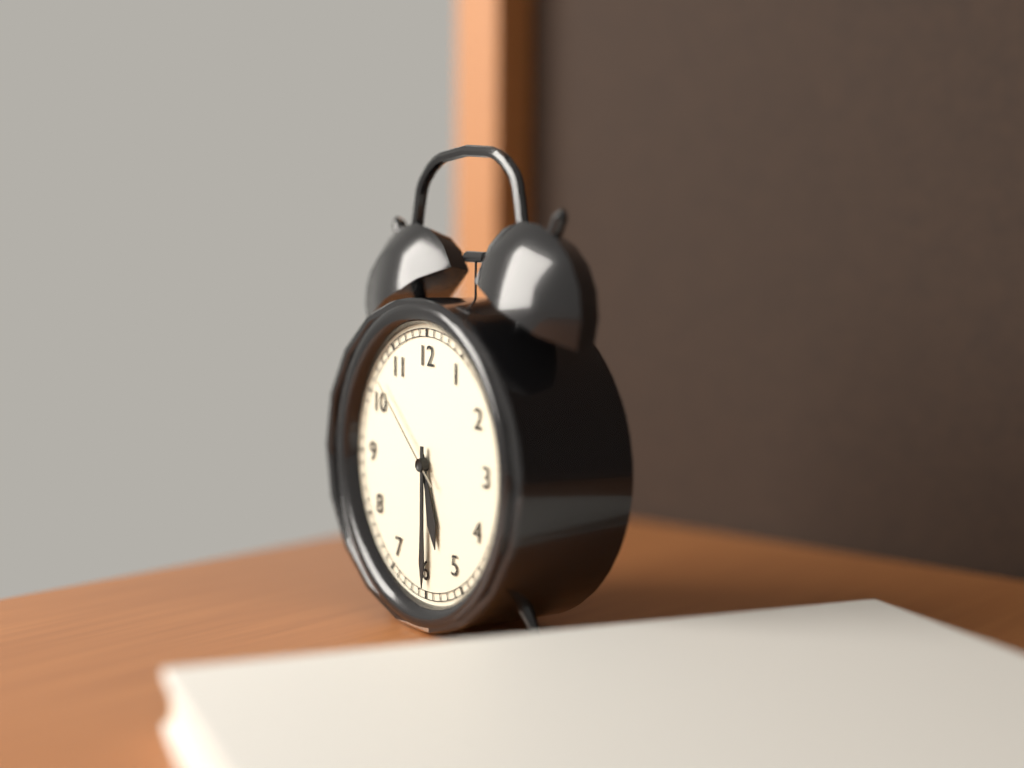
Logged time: {"hour": 5, "minute": 30, "second": 52}
